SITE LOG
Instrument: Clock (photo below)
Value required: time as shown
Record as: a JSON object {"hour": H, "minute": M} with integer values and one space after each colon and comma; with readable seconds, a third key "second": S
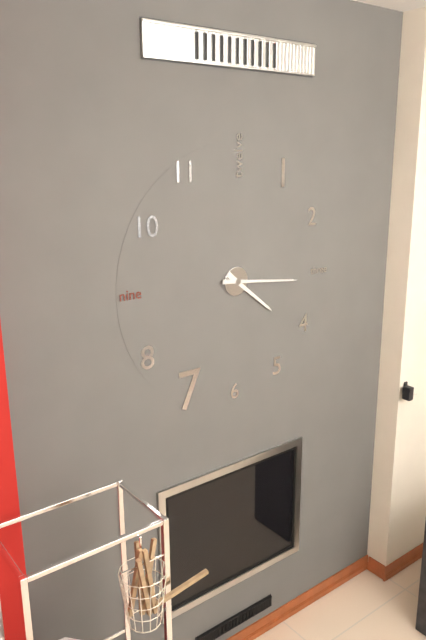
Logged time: {"hour": 4, "minute": 16}
